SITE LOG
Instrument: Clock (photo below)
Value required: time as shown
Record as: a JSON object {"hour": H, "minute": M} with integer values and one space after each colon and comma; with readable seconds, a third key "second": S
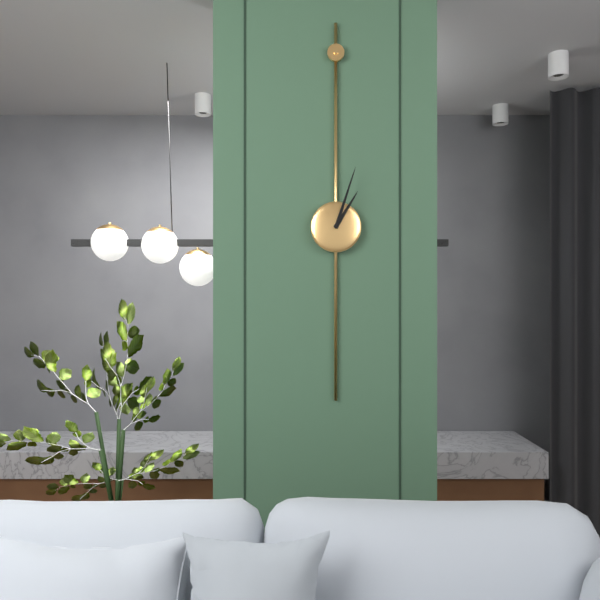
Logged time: {"hour": 1, "minute": 3}
